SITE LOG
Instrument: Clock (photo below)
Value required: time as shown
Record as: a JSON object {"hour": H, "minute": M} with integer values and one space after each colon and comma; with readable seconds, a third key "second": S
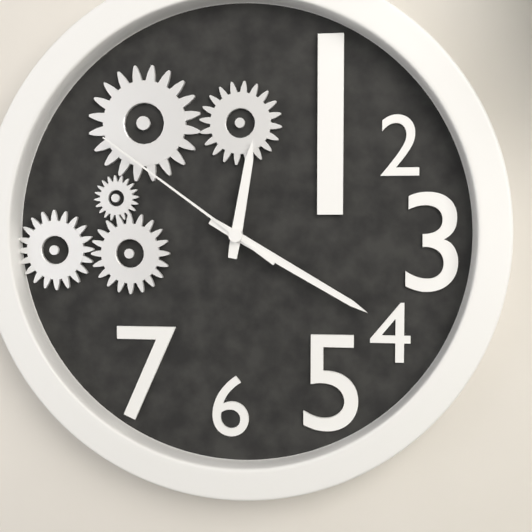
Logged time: {"hour": 12, "minute": 20, "second": 51}
